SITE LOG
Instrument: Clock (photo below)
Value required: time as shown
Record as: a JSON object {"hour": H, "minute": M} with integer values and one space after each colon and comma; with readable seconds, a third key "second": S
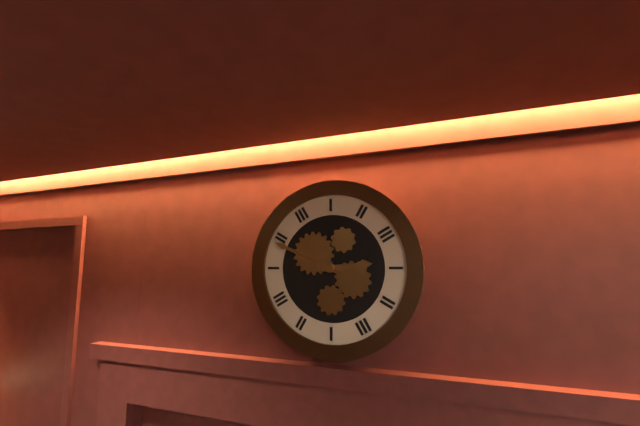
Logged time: {"hour": 2, "minute": 49}
